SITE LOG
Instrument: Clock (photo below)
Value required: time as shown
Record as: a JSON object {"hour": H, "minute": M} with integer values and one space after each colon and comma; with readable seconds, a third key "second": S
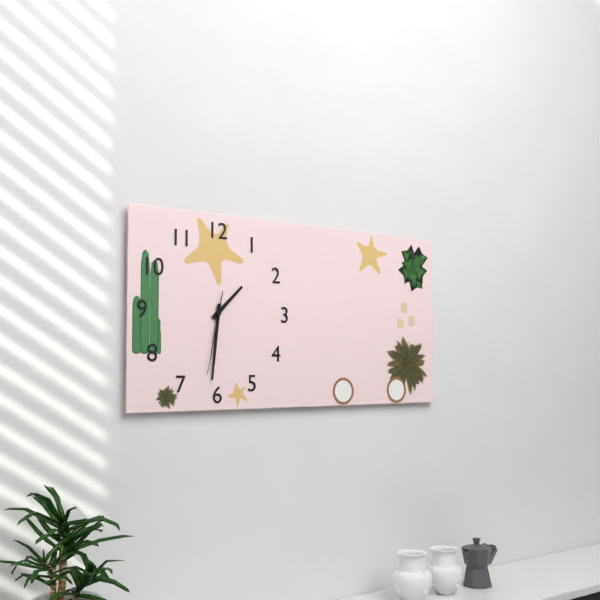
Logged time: {"hour": 1, "minute": 31, "second": 32}
